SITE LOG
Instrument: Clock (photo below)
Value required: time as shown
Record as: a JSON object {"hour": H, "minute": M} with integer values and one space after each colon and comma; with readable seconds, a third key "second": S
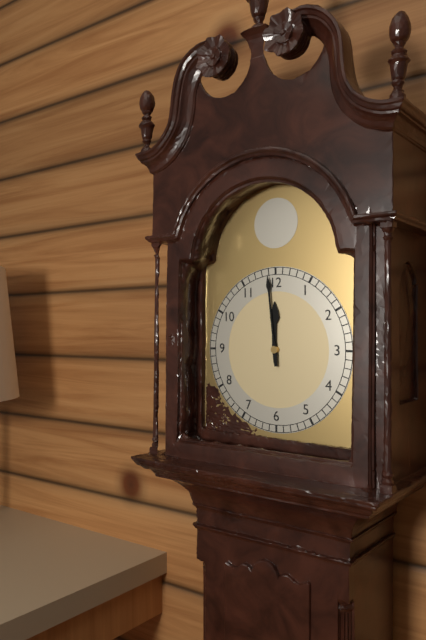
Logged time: {"hour": 11, "minute": 59}
